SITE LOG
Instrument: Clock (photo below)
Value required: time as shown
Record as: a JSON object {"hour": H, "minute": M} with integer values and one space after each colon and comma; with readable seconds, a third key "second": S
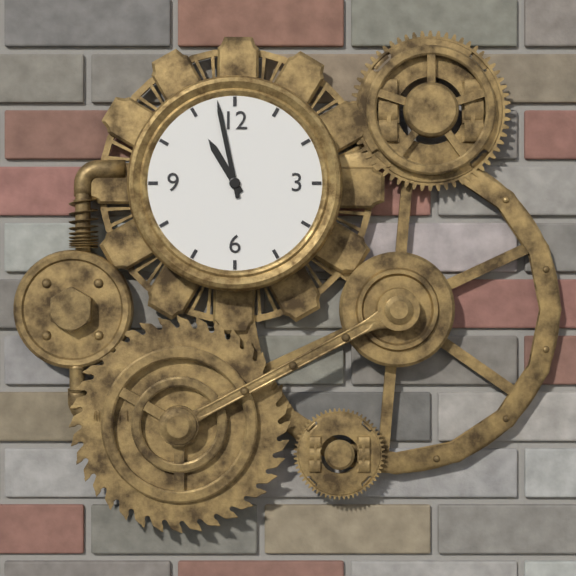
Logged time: {"hour": 10, "minute": 58}
